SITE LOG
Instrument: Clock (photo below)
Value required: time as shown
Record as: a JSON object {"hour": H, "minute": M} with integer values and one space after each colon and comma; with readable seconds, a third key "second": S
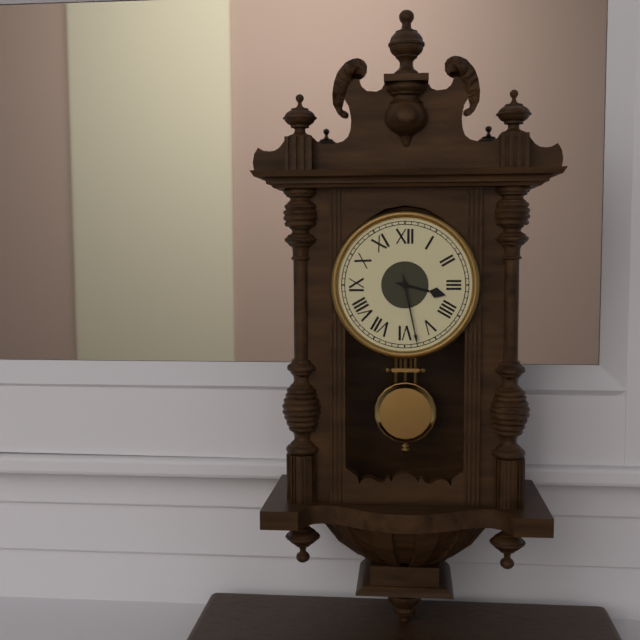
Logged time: {"hour": 3, "minute": 28}
